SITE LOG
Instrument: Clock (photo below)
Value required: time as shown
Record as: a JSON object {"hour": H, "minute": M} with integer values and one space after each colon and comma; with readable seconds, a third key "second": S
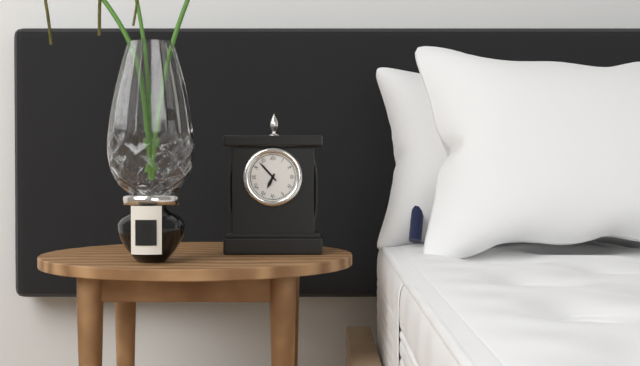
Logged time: {"hour": 6, "minute": 53}
